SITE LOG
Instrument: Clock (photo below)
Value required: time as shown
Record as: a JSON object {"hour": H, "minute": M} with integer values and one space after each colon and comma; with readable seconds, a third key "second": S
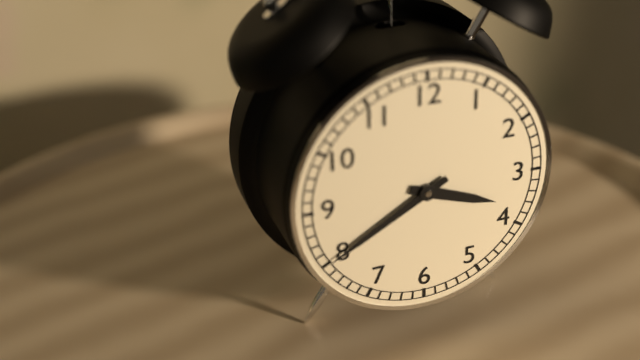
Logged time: {"hour": 3, "minute": 40}
